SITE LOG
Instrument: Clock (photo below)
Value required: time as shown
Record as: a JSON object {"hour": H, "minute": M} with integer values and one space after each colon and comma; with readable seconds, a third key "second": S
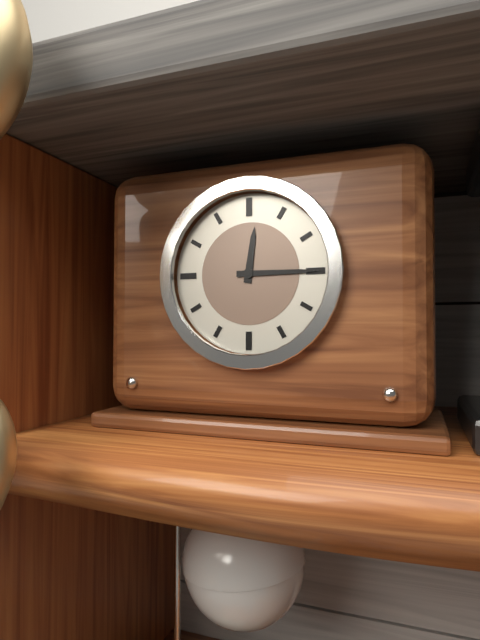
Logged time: {"hour": 12, "minute": 15}
